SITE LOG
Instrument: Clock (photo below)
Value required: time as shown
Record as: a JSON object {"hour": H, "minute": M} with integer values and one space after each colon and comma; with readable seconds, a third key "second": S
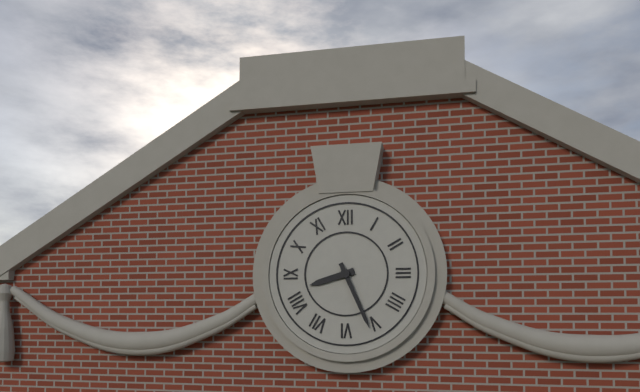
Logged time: {"hour": 8, "minute": 26}
